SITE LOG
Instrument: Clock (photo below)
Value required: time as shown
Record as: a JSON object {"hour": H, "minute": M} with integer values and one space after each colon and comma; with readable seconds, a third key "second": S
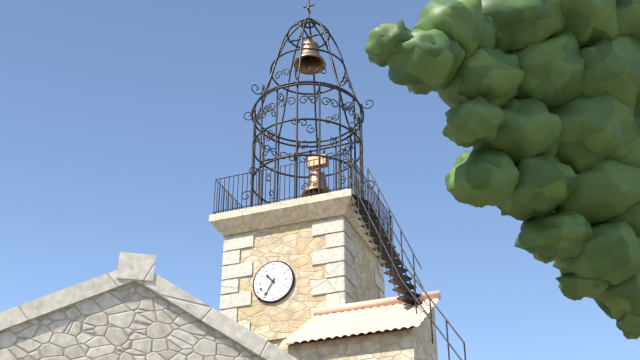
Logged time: {"hour": 10, "minute": 35}
